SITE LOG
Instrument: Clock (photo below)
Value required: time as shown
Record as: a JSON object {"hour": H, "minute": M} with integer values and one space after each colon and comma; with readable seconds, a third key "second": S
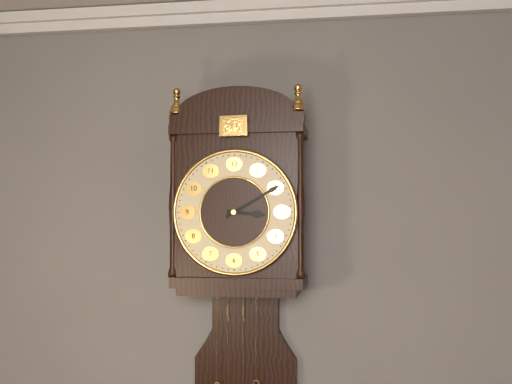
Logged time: {"hour": 3, "minute": 10}
